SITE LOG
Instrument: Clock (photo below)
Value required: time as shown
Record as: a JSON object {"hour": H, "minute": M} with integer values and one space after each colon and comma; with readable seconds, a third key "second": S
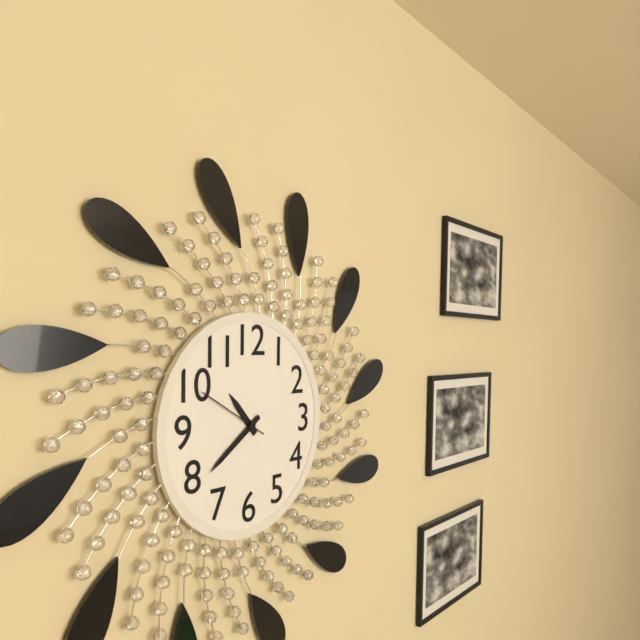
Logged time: {"hour": 10, "minute": 39, "second": 50}
